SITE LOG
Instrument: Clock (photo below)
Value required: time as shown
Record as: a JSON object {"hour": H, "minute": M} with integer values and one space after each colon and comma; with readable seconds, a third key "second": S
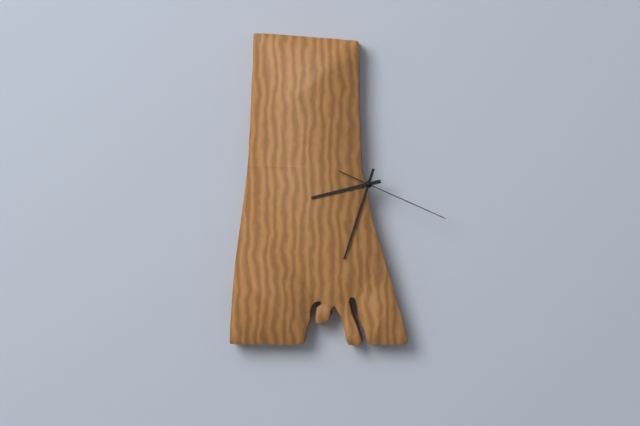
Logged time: {"hour": 8, "minute": 33, "second": 19}
